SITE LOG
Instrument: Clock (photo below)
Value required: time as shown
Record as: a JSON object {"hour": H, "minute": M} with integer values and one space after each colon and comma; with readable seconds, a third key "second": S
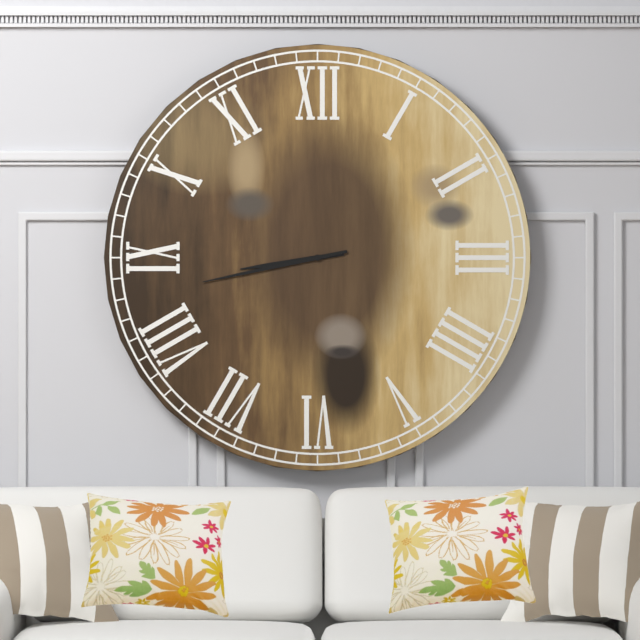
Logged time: {"hour": 8, "minute": 43}
